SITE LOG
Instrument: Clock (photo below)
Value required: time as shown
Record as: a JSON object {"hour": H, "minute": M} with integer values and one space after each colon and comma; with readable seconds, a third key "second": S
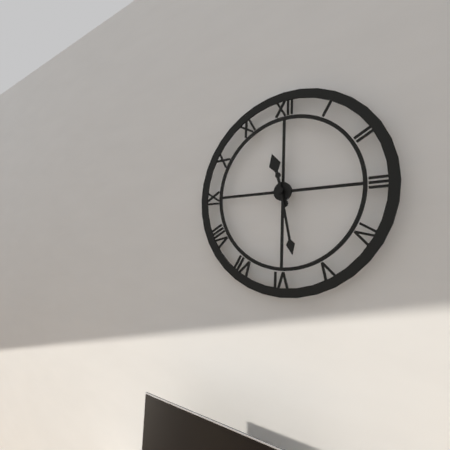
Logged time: {"hour": 11, "minute": 28}
